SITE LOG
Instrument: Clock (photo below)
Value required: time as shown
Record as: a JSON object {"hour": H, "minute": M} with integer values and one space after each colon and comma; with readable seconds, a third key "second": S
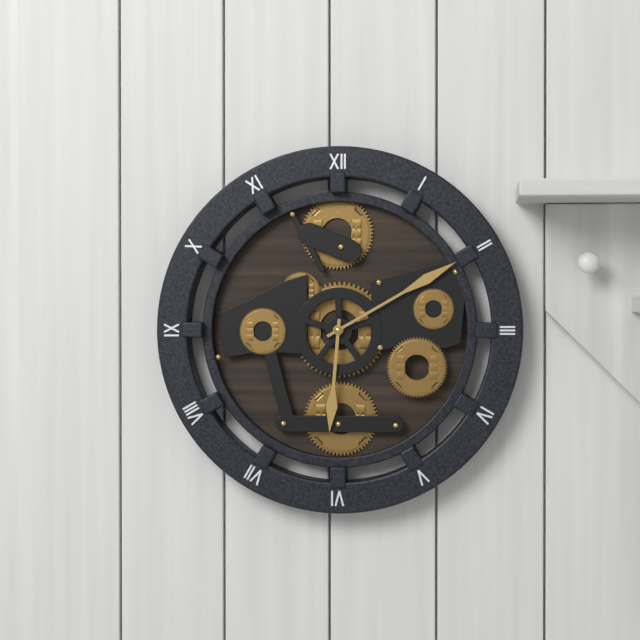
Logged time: {"hour": 6, "minute": 10}
